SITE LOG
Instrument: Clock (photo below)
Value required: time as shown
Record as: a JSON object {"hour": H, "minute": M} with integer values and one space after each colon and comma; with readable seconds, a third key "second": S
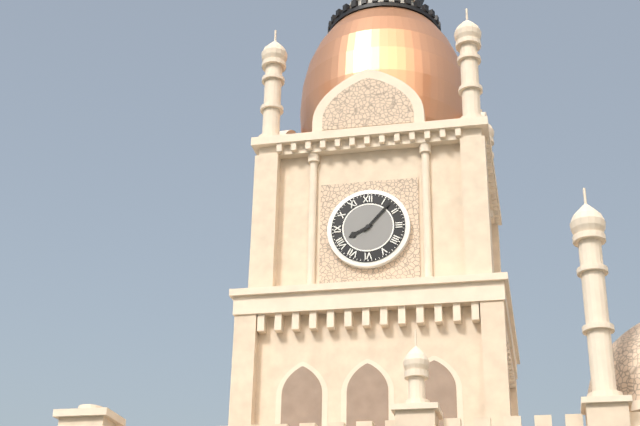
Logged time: {"hour": 8, "minute": 7}
